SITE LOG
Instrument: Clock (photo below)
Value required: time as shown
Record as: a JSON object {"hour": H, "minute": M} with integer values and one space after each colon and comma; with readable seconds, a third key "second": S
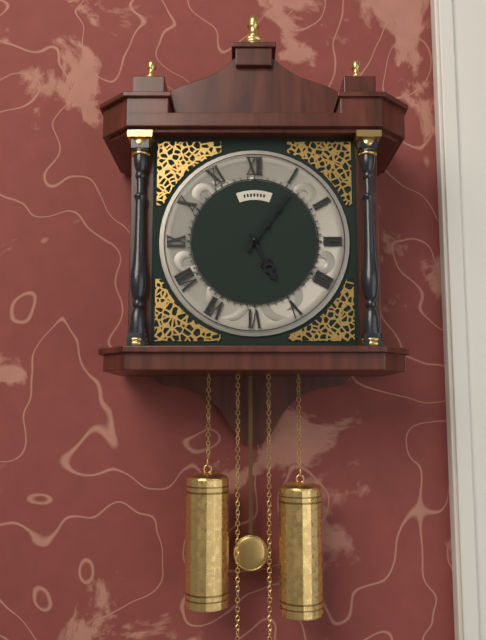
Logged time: {"hour": 5, "minute": 6}
